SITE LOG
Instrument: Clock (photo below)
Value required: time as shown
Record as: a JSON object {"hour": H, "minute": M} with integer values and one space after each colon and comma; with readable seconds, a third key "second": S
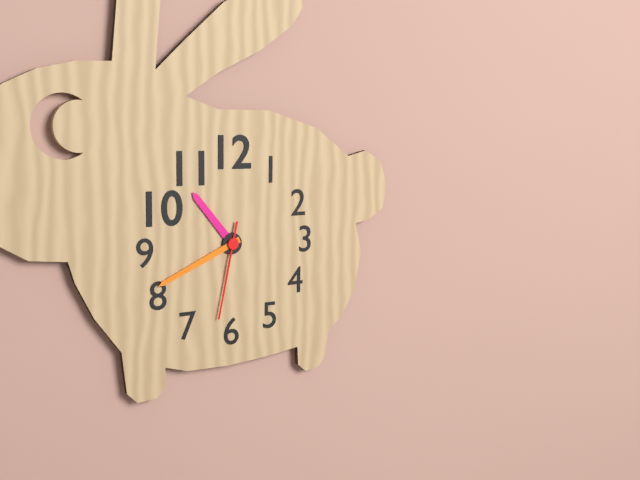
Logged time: {"hour": 10, "minute": 41, "second": 32}
